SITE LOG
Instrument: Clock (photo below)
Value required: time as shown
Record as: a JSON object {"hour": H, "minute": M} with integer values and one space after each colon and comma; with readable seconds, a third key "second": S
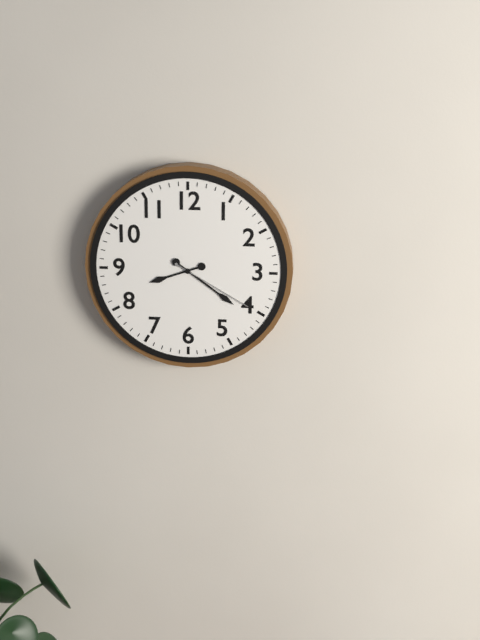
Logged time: {"hour": 8, "minute": 21, "second": 20}
